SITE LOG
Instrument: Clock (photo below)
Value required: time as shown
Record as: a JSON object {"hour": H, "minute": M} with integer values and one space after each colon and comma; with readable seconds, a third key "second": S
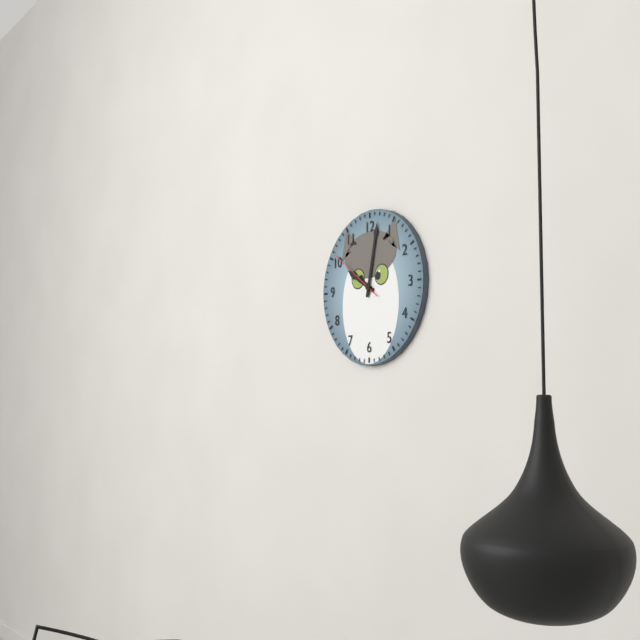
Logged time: {"hour": 10, "minute": 2, "second": 51}
